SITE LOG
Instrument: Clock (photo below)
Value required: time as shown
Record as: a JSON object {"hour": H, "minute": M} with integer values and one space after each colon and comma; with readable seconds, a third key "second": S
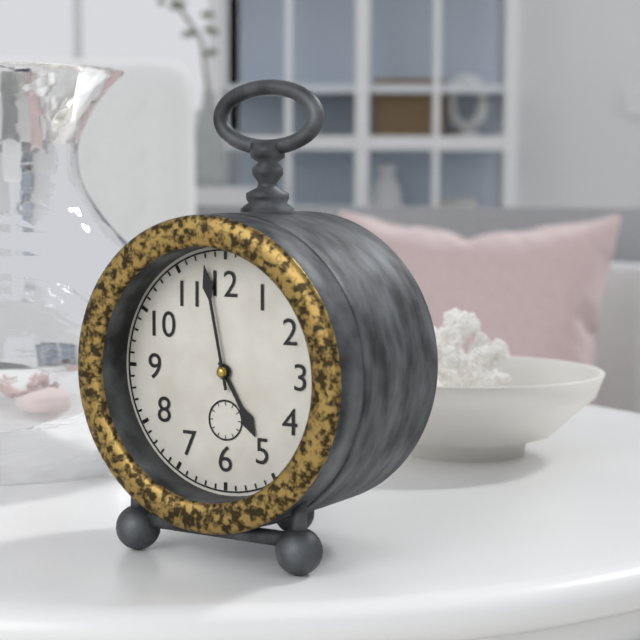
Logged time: {"hour": 4, "minute": 58}
